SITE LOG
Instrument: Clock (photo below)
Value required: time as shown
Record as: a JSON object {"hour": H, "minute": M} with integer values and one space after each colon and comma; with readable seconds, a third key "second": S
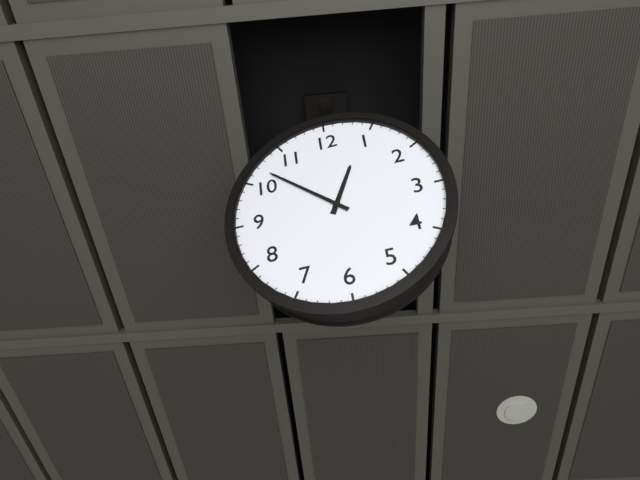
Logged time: {"hour": 12, "minute": 52}
